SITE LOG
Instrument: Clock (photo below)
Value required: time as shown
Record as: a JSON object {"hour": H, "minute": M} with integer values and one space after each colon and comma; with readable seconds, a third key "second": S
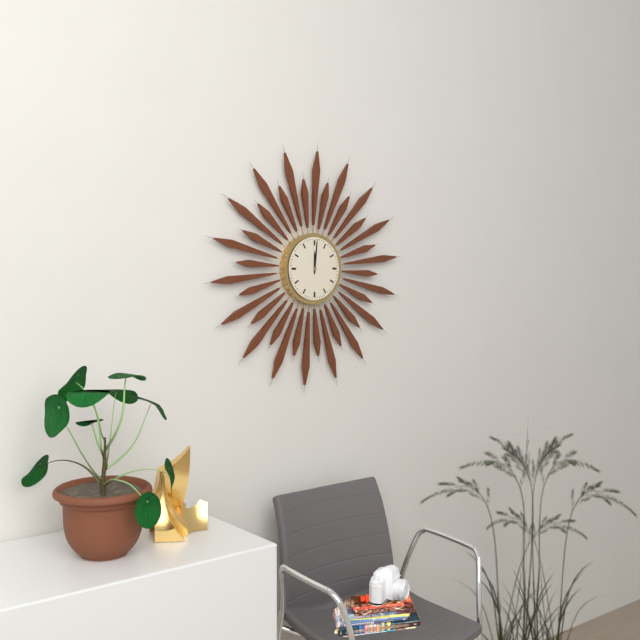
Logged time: {"hour": 12, "minute": 1}
